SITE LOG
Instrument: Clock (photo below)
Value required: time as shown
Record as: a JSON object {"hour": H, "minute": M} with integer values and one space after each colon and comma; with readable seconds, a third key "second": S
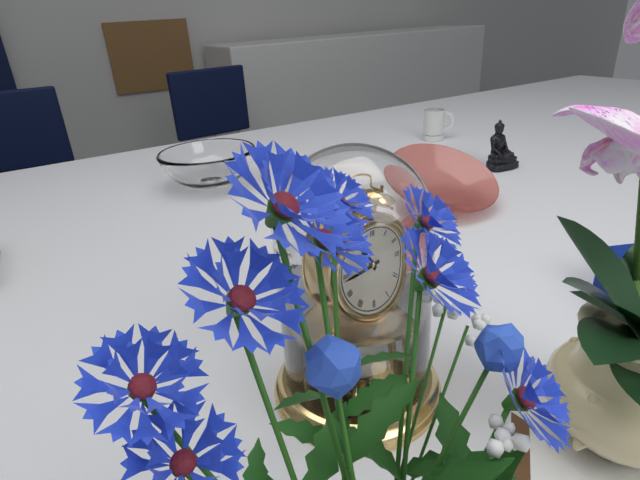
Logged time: {"hour": 10, "minute": 44}
